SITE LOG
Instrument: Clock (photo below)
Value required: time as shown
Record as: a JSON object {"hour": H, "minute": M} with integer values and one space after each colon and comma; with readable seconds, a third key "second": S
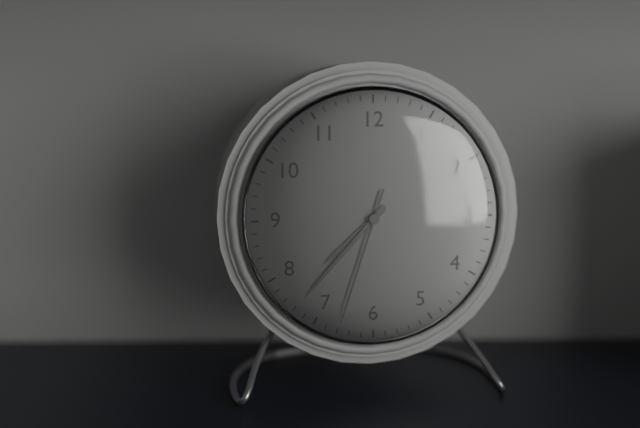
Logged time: {"hour": 7, "minute": 37, "second": 33}
